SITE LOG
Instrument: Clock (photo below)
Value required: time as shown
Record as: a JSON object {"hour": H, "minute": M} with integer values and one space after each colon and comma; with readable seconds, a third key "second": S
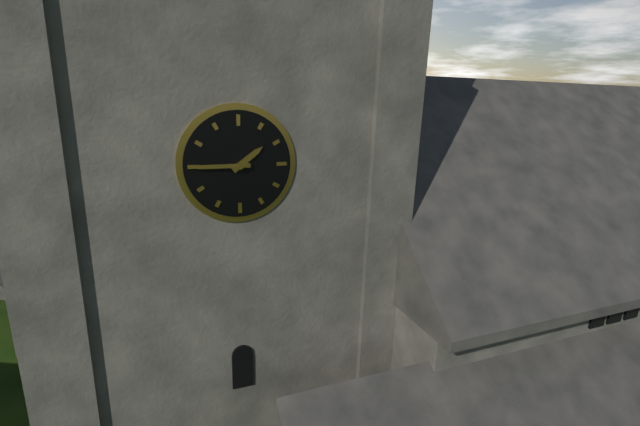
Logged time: {"hour": 1, "minute": 45}
